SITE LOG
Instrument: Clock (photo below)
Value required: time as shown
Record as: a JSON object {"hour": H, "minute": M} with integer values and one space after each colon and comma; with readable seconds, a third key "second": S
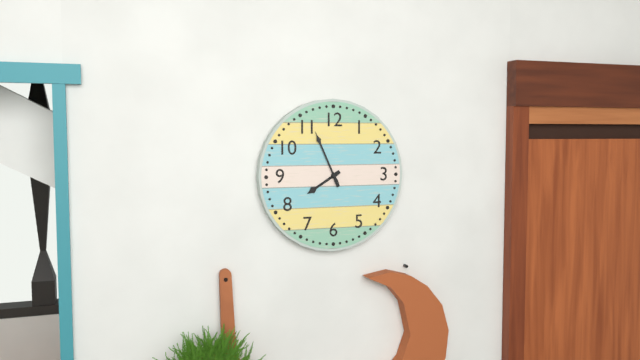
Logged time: {"hour": 7, "minute": 56}
